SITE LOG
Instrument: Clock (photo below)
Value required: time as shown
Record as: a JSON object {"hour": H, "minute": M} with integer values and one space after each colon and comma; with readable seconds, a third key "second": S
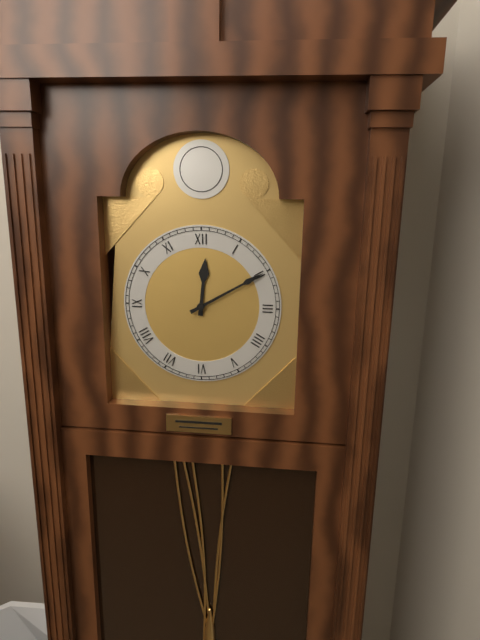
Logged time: {"hour": 12, "minute": 10}
